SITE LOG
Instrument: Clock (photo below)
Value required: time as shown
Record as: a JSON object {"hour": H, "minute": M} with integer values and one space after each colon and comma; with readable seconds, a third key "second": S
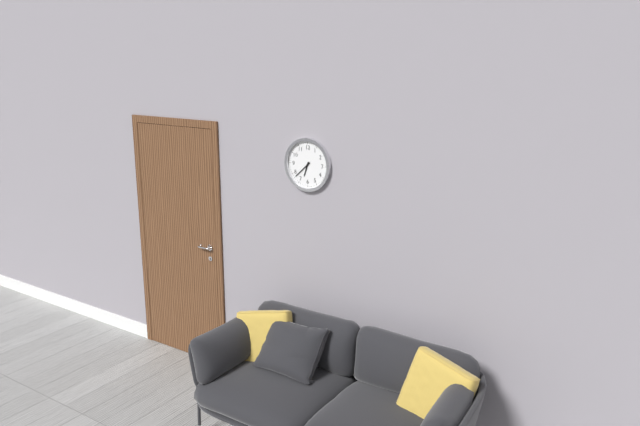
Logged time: {"hour": 6, "minute": 38}
